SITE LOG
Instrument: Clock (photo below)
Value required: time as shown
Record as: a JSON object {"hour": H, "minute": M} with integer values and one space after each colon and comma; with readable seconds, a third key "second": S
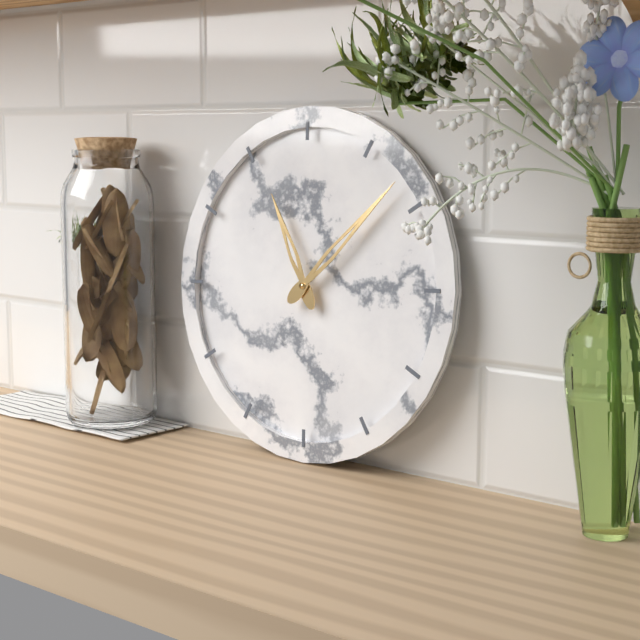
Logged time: {"hour": 11, "minute": 8}
